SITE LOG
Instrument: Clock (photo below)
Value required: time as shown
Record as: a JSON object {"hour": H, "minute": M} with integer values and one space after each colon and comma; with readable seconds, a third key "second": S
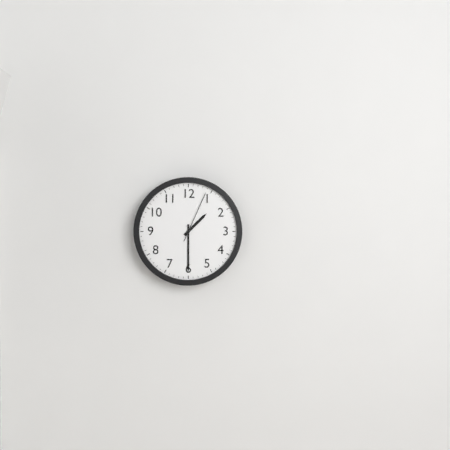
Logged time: {"hour": 1, "minute": 30, "second": 4}
